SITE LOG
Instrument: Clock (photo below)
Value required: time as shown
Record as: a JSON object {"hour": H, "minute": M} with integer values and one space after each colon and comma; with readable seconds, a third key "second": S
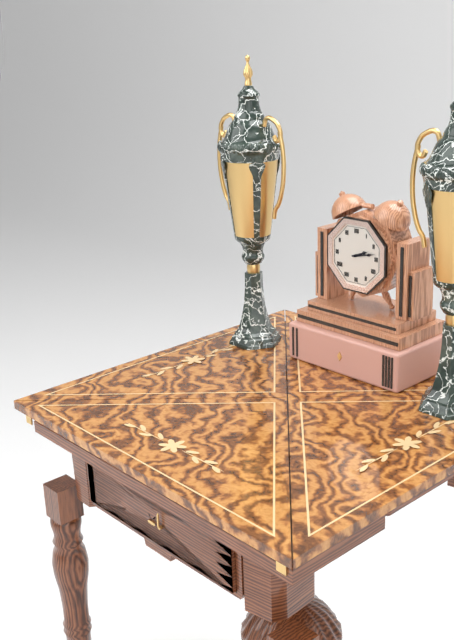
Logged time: {"hour": 2, "minute": 13}
